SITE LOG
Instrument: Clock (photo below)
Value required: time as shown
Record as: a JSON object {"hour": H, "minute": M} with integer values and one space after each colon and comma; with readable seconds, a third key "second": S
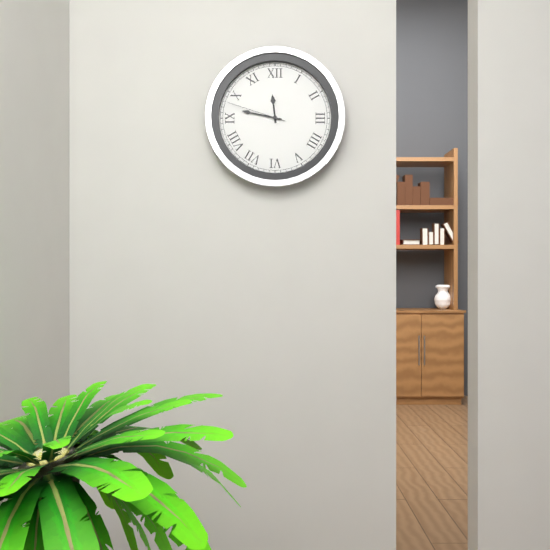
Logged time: {"hour": 11, "minute": 47, "second": 48}
